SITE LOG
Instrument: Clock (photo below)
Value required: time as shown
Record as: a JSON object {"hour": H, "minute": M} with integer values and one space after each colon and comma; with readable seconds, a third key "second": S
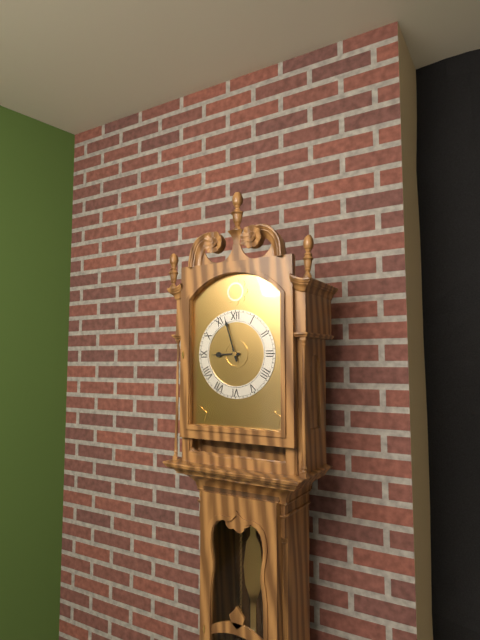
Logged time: {"hour": 8, "minute": 57}
